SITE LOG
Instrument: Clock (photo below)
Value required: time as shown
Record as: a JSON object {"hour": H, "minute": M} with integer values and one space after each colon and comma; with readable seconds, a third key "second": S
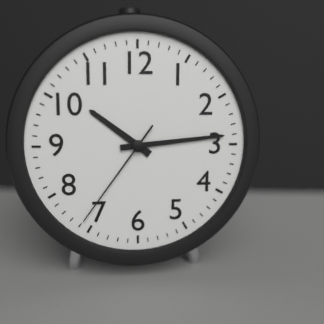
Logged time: {"hour": 10, "minute": 14, "second": 36}
